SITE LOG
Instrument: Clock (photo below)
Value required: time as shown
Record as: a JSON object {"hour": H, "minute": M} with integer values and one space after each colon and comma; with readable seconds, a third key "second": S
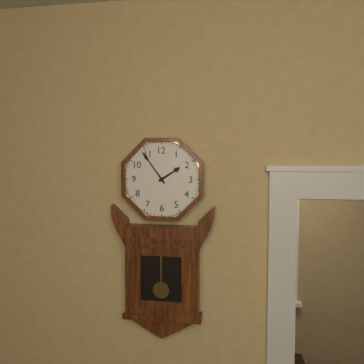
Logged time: {"hour": 1, "minute": 54}
